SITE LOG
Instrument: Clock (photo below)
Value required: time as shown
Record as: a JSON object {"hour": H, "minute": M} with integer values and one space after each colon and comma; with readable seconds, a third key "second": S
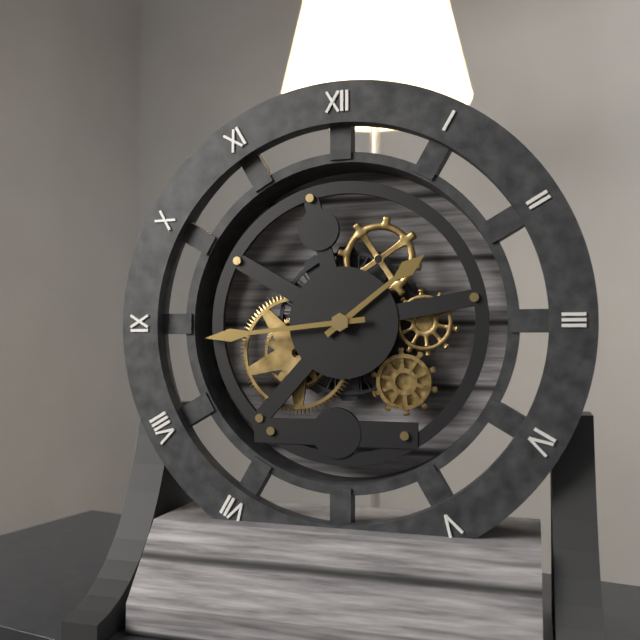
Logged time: {"hour": 1, "minute": 44}
